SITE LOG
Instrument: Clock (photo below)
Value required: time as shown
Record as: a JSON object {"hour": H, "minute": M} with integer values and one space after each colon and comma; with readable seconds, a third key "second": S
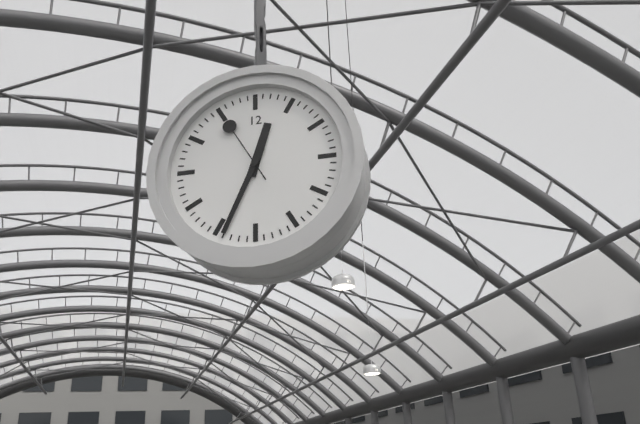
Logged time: {"hour": 12, "minute": 34, "second": 55}
